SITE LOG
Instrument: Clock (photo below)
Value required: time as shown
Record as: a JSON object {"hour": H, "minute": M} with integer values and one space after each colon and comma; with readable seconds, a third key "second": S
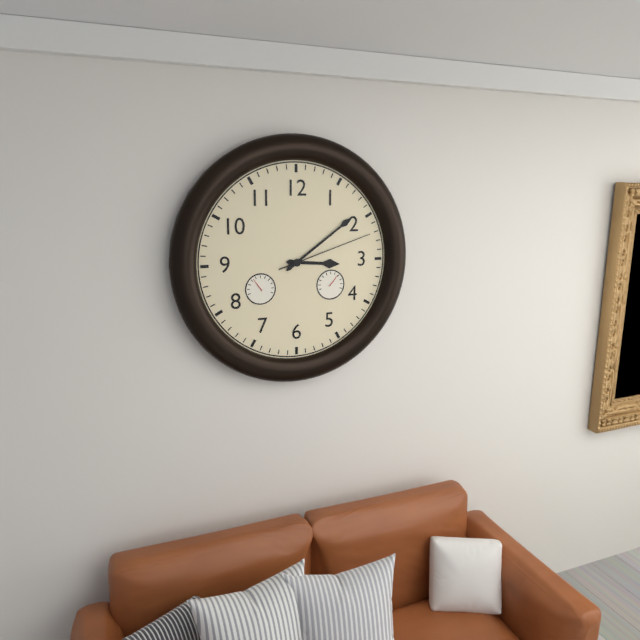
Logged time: {"hour": 3, "minute": 9, "second": 12}
